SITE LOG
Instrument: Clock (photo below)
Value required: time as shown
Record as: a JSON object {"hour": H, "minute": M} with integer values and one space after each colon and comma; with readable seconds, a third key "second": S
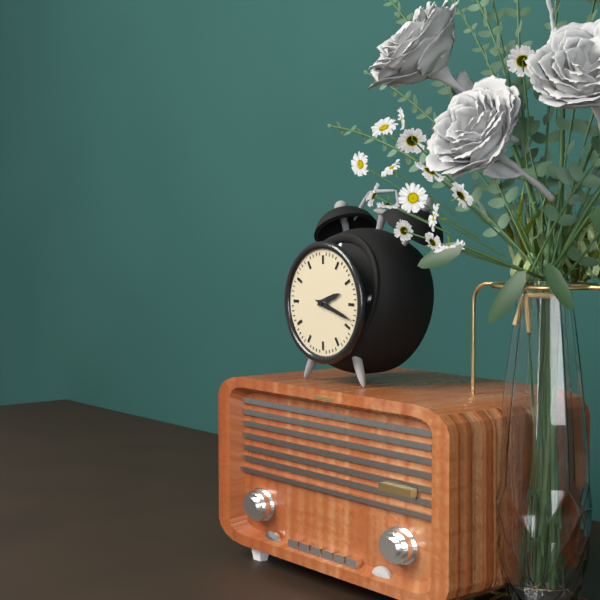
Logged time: {"hour": 2, "minute": 18}
